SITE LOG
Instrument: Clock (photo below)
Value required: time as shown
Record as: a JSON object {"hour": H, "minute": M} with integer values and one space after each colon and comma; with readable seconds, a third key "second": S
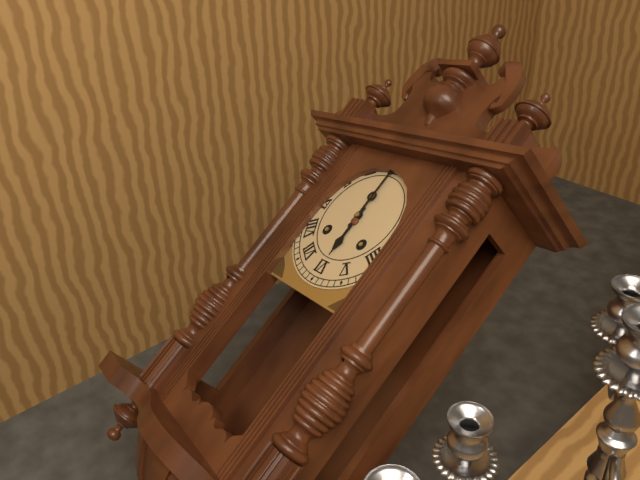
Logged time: {"hour": 6, "minute": 0}
